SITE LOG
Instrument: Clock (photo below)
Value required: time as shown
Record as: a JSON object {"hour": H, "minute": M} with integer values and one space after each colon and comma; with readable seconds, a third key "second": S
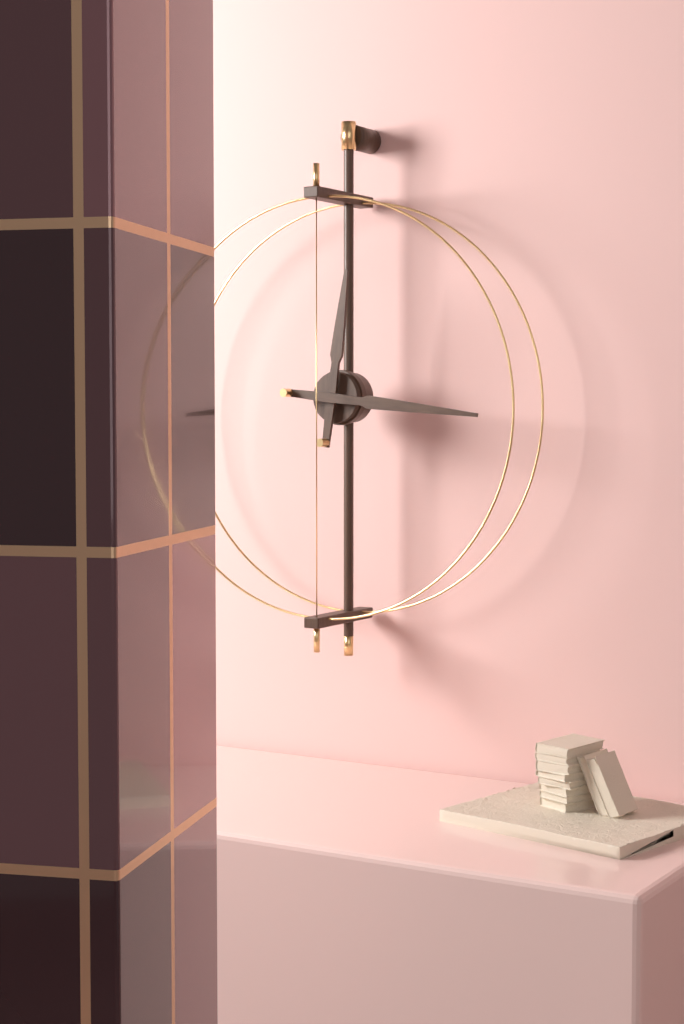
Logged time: {"hour": 12, "minute": 16}
